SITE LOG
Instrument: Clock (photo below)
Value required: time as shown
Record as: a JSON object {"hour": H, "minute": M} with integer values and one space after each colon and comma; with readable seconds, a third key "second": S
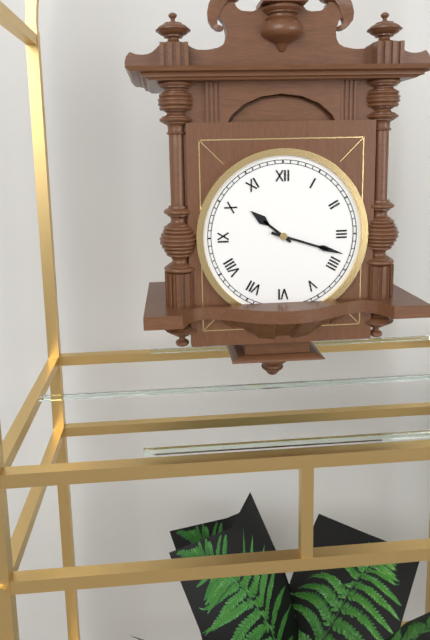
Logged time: {"hour": 10, "minute": 18}
